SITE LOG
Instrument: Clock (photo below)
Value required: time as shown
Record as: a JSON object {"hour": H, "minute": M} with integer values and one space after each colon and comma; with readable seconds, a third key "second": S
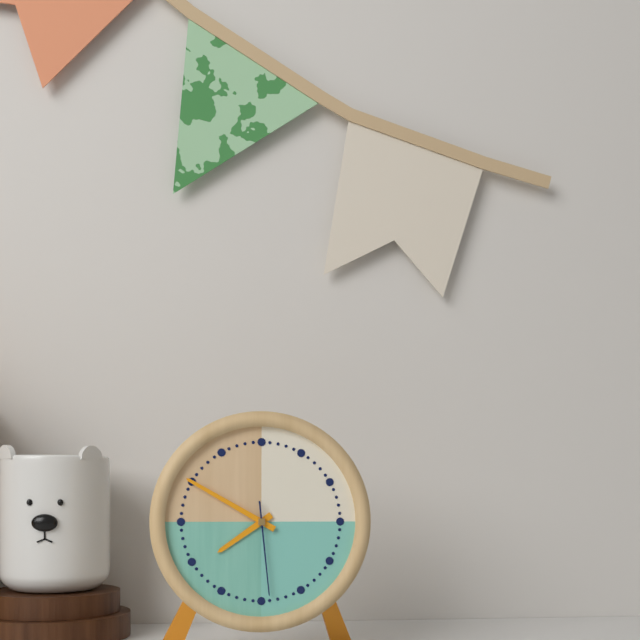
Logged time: {"hour": 7, "minute": 50, "second": 29}
